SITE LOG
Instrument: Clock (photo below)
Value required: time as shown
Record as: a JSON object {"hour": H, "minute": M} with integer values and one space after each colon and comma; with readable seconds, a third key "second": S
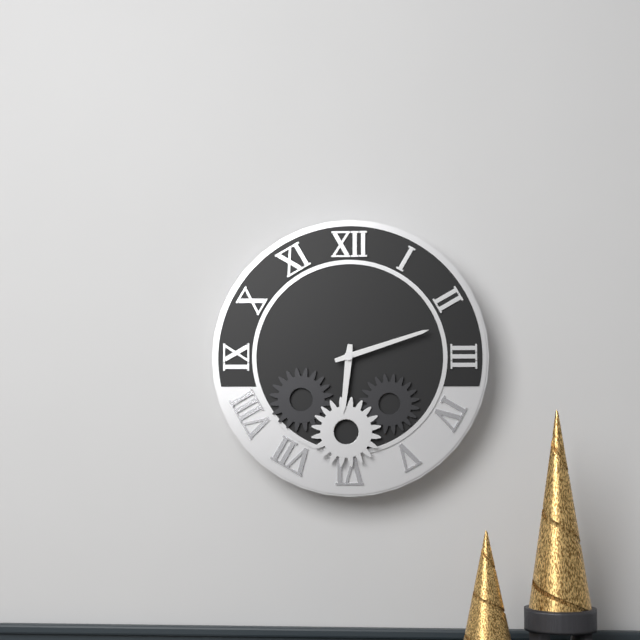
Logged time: {"hour": 6, "minute": 12}
